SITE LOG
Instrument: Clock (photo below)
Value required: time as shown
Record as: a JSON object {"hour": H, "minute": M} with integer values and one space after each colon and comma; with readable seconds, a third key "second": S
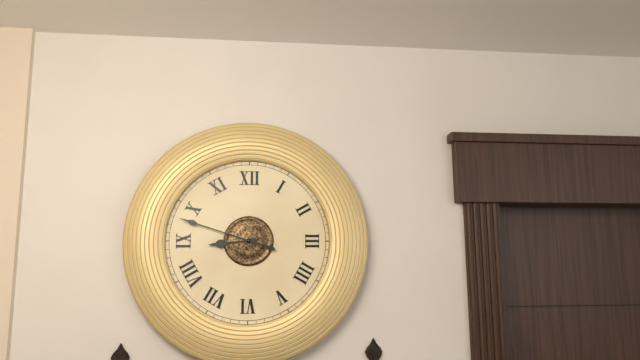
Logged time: {"hour": 8, "minute": 48}
